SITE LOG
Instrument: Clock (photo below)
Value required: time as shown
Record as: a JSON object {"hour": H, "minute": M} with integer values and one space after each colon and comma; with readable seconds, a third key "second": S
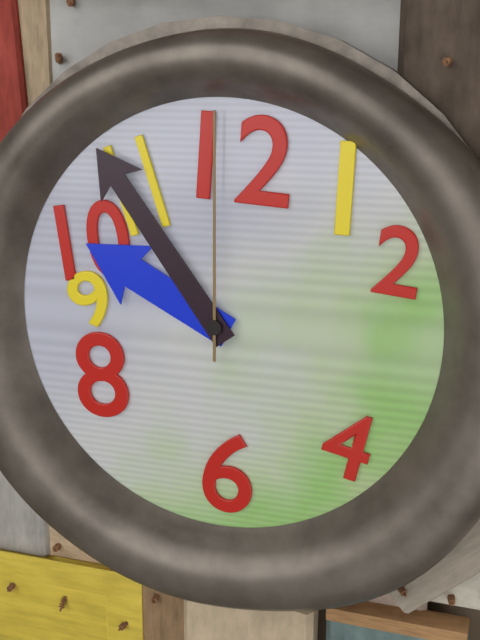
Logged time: {"hour": 9, "minute": 54, "second": 0}
